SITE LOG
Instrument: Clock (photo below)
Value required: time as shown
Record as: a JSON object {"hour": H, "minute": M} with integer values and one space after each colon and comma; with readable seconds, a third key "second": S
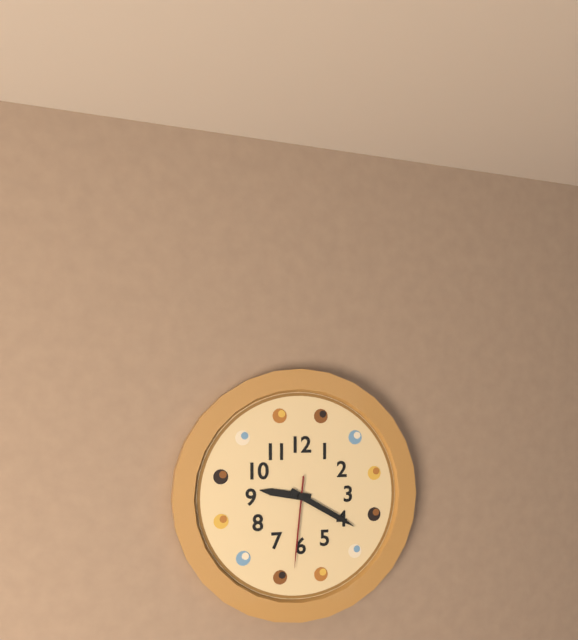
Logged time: {"hour": 9, "minute": 20, "second": 31}
